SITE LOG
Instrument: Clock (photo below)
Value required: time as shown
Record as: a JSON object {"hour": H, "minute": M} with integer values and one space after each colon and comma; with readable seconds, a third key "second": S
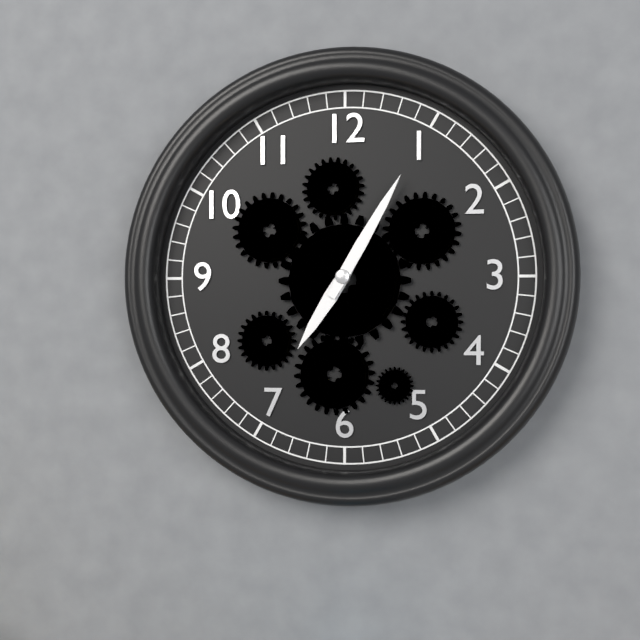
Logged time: {"hour": 7, "minute": 5}
